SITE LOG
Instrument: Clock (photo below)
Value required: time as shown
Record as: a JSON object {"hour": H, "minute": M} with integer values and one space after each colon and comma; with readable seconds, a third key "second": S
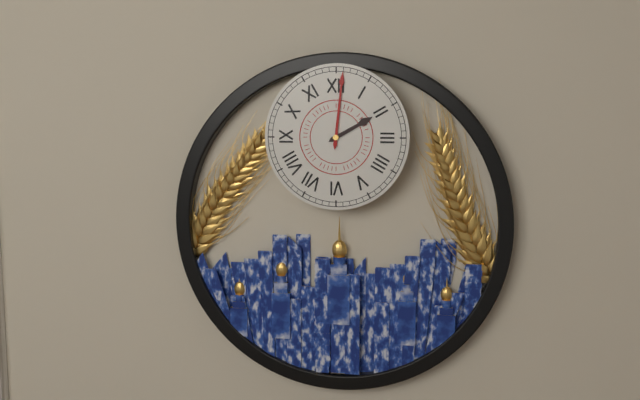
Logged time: {"hour": 2, "minute": 1}
